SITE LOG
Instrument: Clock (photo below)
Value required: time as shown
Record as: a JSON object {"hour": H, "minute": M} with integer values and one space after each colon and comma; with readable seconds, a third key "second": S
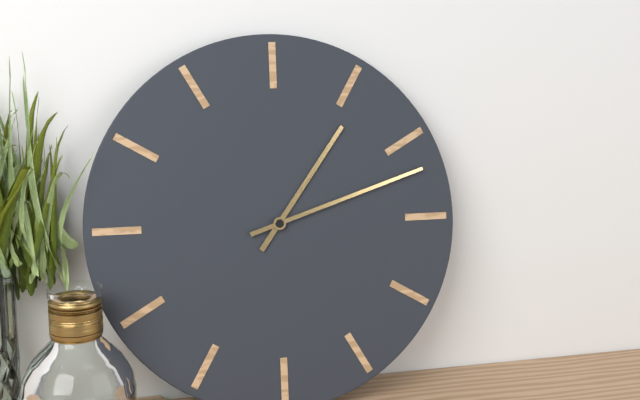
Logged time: {"hour": 1, "minute": 12}
